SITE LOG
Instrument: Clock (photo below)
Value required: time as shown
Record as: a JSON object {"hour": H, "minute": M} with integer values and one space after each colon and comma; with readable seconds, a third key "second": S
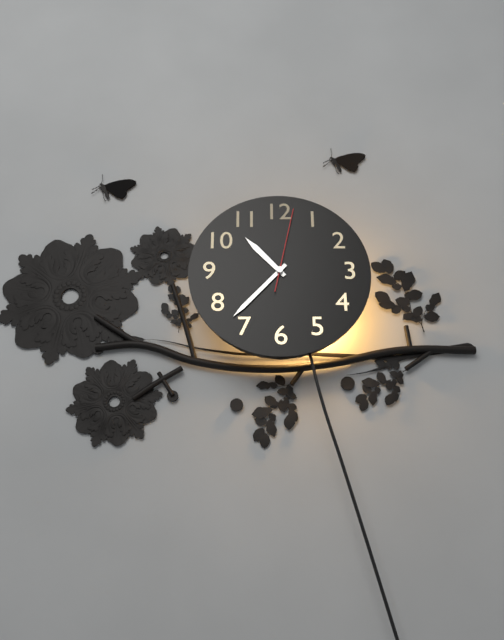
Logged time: {"hour": 10, "minute": 37, "second": 2}
